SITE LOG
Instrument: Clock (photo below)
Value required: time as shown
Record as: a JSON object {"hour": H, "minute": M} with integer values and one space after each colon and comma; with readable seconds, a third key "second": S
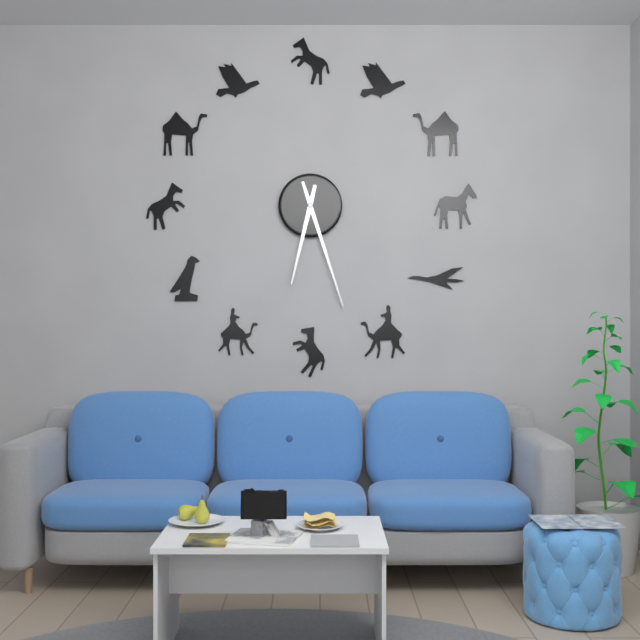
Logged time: {"hour": 6, "minute": 27}
